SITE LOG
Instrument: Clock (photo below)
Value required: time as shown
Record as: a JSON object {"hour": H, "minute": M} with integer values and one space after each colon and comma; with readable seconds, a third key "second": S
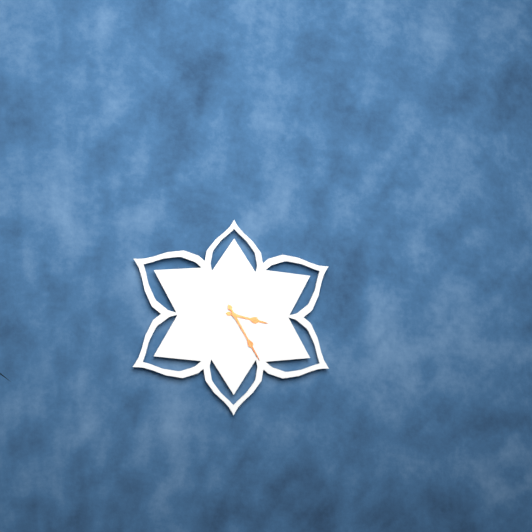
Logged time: {"hour": 3, "minute": 25}
